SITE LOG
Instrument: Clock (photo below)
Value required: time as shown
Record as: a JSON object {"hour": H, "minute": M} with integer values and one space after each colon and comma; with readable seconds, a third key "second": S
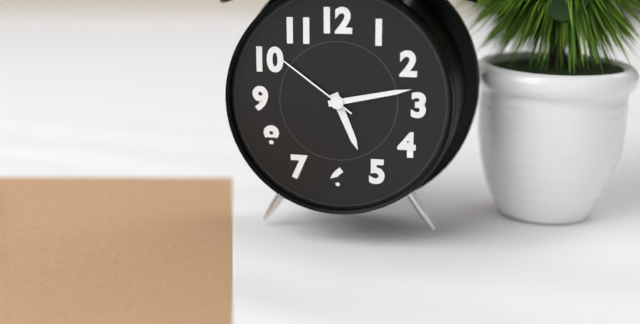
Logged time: {"hour": 5, "minute": 13, "second": 51}
